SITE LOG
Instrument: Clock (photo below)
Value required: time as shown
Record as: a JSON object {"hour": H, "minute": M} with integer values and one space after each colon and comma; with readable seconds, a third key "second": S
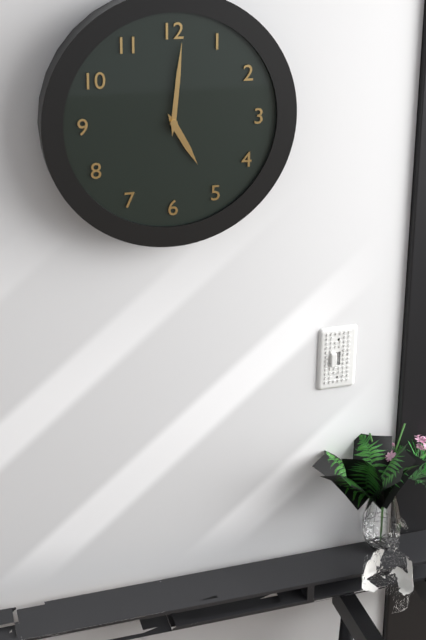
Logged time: {"hour": 5, "minute": 1}
